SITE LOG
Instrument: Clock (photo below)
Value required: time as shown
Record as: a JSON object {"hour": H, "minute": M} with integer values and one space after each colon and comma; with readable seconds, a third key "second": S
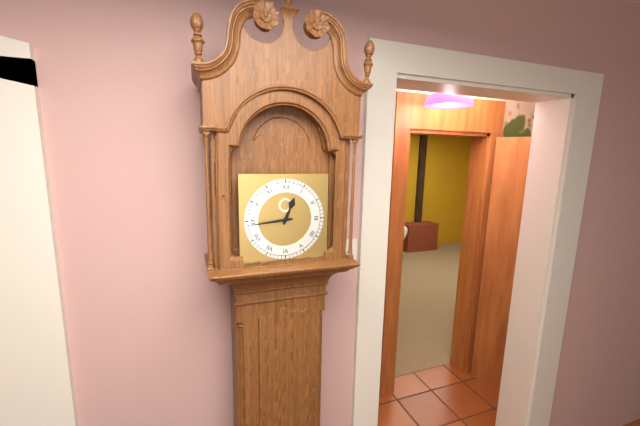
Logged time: {"hour": 12, "minute": 44}
